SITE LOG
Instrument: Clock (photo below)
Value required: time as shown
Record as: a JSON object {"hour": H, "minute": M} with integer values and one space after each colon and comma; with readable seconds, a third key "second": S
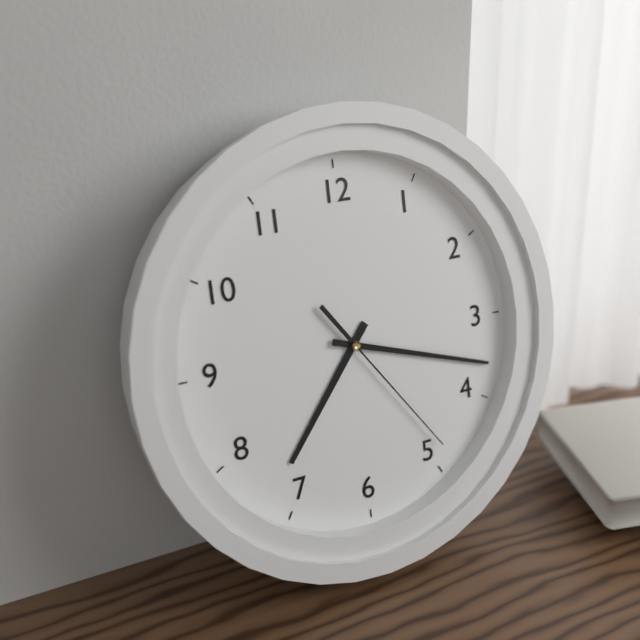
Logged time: {"hour": 7, "minute": 18, "second": 24}
